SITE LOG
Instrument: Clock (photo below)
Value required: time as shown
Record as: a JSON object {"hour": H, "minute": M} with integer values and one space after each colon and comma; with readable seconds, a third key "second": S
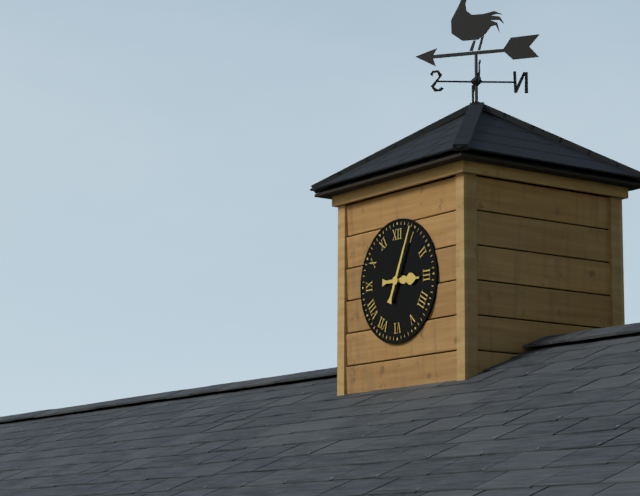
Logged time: {"hour": 3, "minute": 4}
